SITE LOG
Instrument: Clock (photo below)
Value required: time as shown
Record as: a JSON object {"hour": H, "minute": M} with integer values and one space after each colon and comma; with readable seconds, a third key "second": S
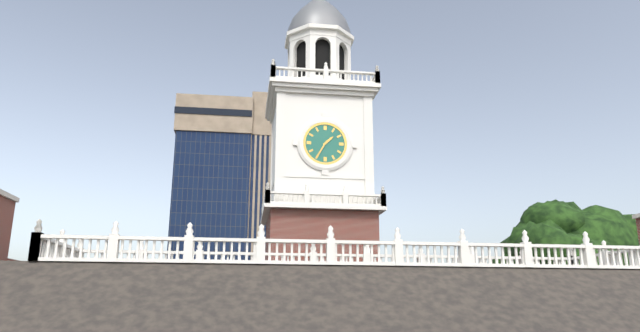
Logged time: {"hour": 1, "minute": 35}
